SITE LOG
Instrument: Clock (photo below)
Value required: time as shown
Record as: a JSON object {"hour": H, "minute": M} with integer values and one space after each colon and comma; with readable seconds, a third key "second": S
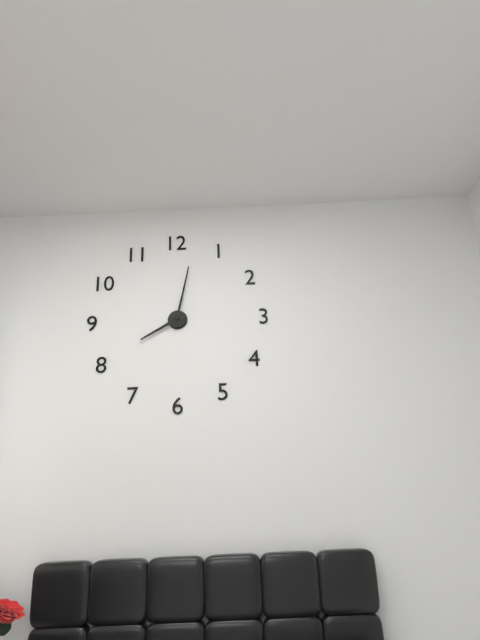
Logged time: {"hour": 8, "minute": 2}
